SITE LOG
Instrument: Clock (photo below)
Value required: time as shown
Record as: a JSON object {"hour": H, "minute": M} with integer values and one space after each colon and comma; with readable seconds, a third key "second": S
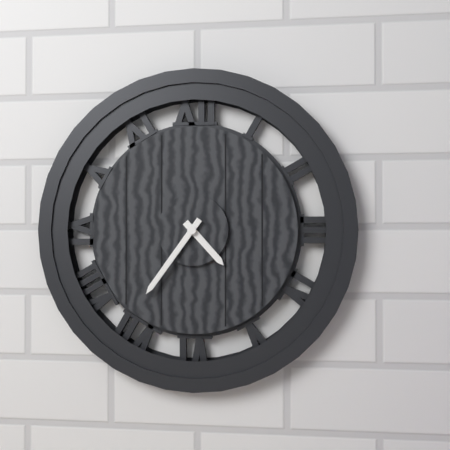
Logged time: {"hour": 4, "minute": 36}
